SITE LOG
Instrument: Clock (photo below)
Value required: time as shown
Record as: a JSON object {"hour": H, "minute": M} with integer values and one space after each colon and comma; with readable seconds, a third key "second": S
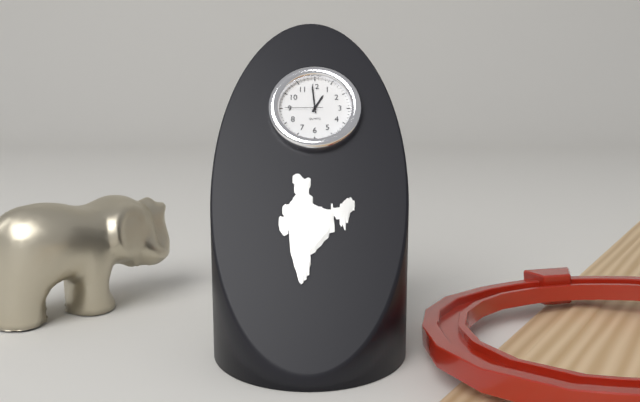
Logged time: {"hour": 12, "minute": 59}
